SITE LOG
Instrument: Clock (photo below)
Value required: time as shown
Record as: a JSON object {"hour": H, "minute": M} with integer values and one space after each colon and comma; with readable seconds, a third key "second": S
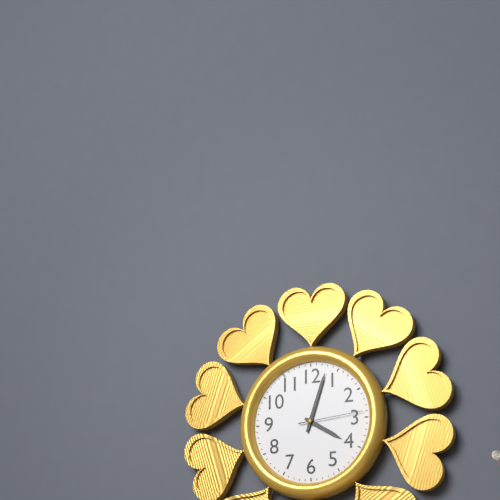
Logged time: {"hour": 4, "minute": 3, "second": 14}
